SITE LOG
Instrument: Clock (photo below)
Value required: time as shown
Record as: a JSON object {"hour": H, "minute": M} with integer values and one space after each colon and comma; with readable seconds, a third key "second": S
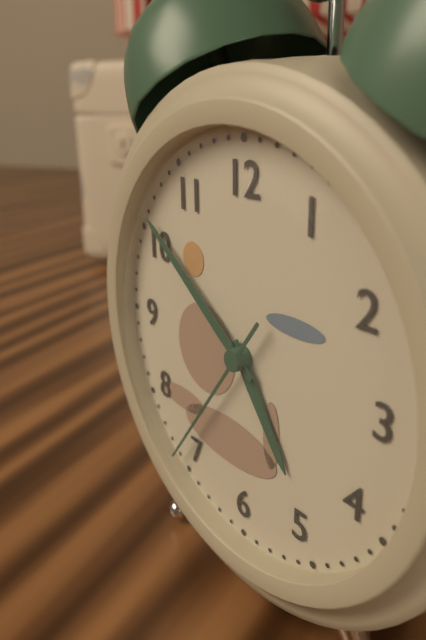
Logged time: {"hour": 4, "minute": 51, "second": 36}
